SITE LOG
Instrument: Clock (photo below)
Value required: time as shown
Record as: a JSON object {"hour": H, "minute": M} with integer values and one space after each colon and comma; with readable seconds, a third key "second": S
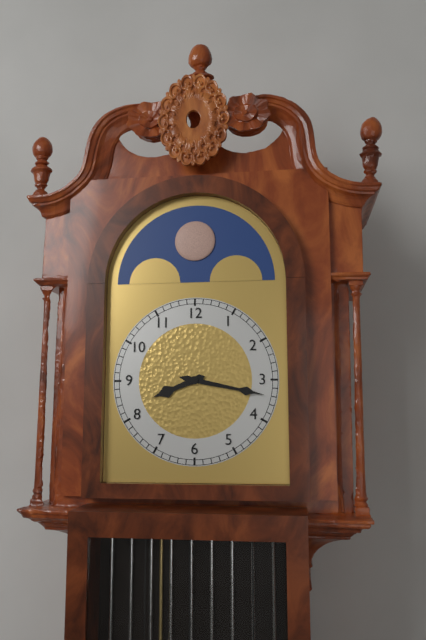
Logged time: {"hour": 8, "minute": 17}
